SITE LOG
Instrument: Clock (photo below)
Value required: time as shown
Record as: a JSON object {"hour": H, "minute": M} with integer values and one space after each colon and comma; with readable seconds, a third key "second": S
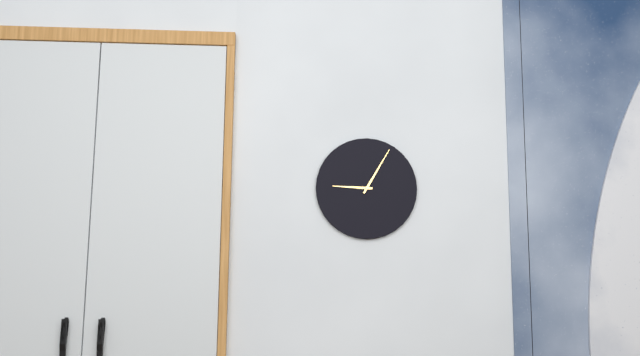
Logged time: {"hour": 9, "minute": 5}
